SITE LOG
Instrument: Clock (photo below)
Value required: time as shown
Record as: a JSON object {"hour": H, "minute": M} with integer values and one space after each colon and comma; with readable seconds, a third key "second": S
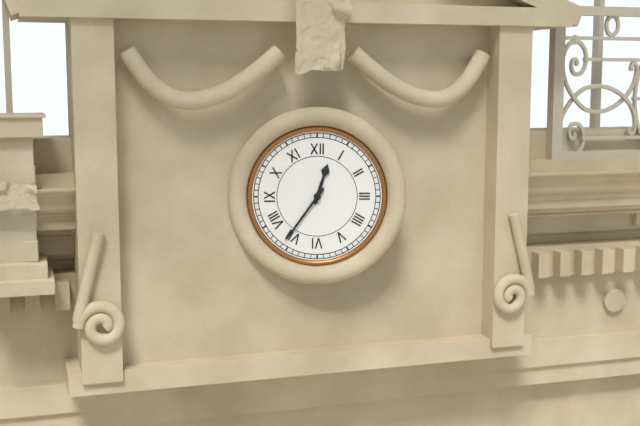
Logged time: {"hour": 12, "minute": 36}
